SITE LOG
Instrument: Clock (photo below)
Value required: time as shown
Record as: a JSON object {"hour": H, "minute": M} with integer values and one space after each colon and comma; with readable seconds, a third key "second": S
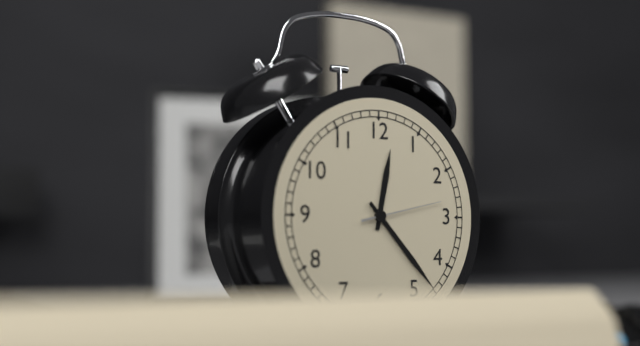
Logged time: {"hour": 12, "minute": 23, "second": 13}
